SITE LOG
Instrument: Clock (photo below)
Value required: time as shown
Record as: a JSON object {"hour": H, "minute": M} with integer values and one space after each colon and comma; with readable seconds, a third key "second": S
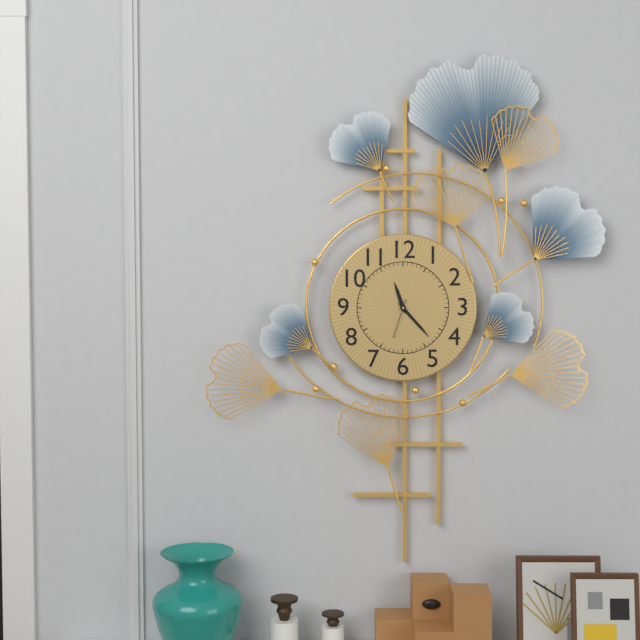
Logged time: {"hour": 11, "minute": 23}
